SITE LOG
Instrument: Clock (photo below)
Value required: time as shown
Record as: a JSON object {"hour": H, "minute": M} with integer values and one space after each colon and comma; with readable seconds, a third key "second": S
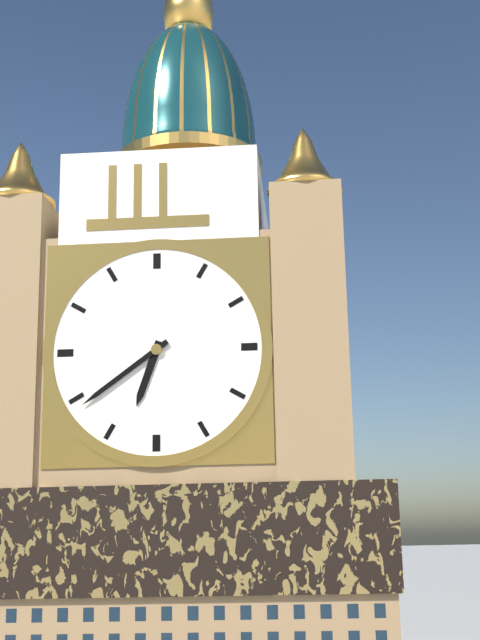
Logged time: {"hour": 6, "minute": 39}
